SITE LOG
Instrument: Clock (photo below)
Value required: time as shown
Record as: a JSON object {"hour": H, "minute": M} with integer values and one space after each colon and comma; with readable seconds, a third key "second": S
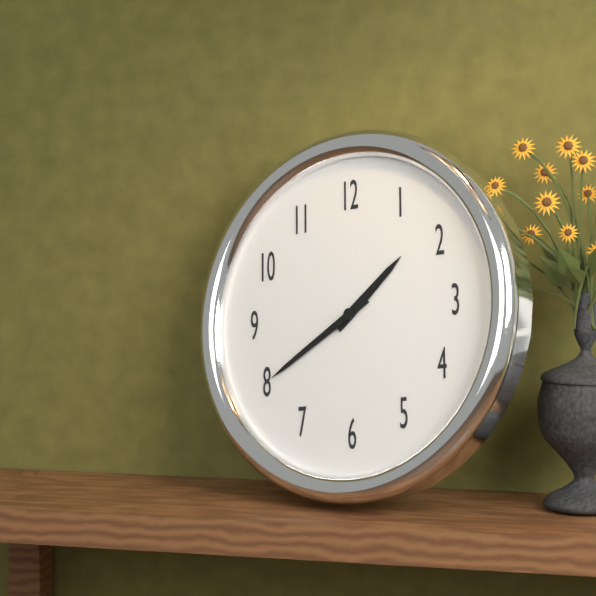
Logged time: {"hour": 1, "minute": 40}
